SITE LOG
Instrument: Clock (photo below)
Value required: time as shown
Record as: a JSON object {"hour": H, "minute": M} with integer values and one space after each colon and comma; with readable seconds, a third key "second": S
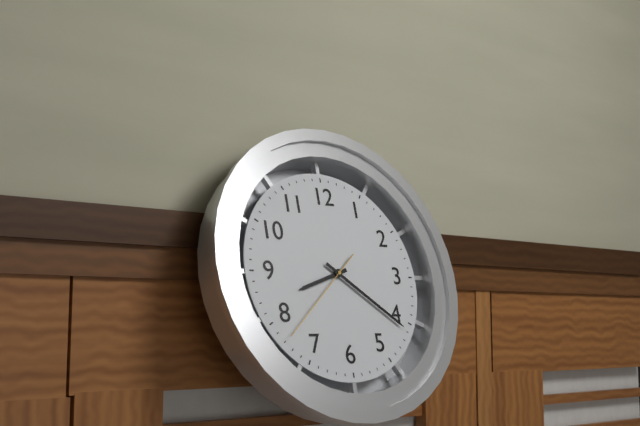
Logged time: {"hour": 8, "minute": 21, "second": 38}
